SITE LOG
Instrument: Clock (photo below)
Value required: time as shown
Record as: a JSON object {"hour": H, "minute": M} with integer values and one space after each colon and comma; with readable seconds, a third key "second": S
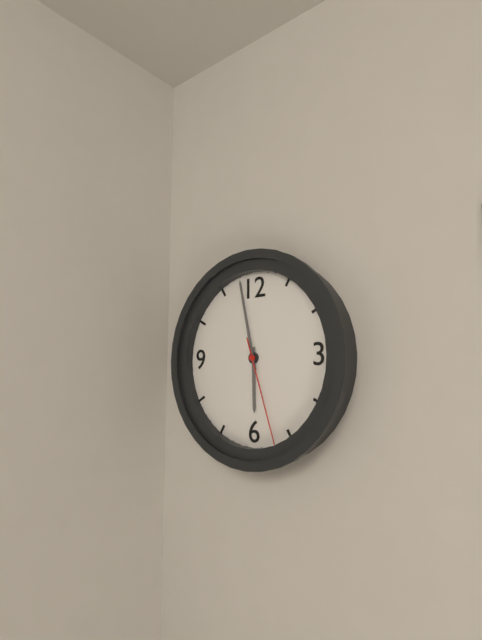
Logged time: {"hour": 5, "minute": 58, "second": 27}
